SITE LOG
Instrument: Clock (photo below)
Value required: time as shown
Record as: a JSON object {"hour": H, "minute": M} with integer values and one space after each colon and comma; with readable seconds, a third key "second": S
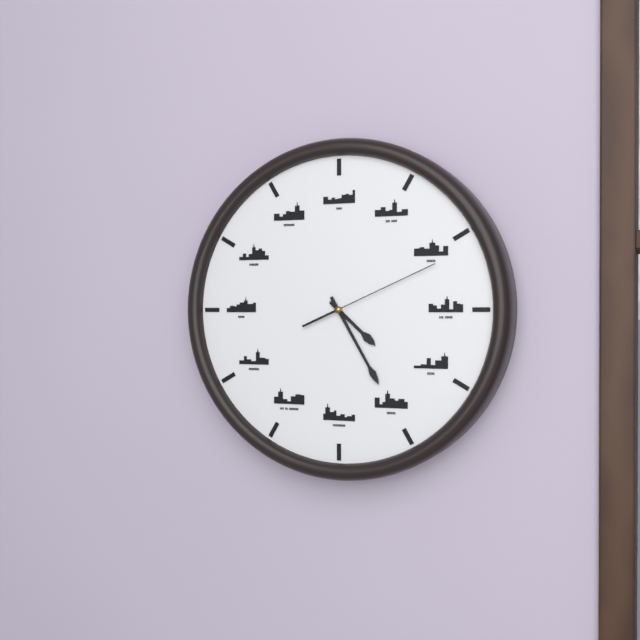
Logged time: {"hour": 4, "minute": 25, "second": 11}
